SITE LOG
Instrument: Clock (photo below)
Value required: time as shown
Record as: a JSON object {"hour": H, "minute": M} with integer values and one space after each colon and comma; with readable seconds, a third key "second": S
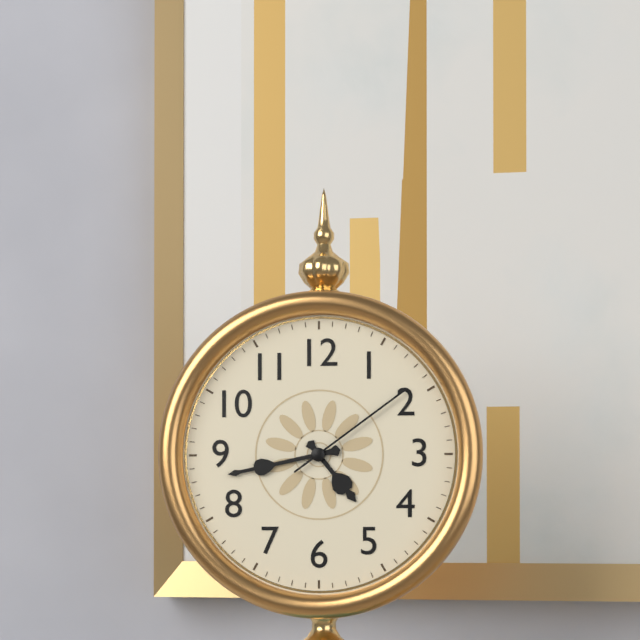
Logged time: {"hour": 4, "minute": 43, "second": 9}
